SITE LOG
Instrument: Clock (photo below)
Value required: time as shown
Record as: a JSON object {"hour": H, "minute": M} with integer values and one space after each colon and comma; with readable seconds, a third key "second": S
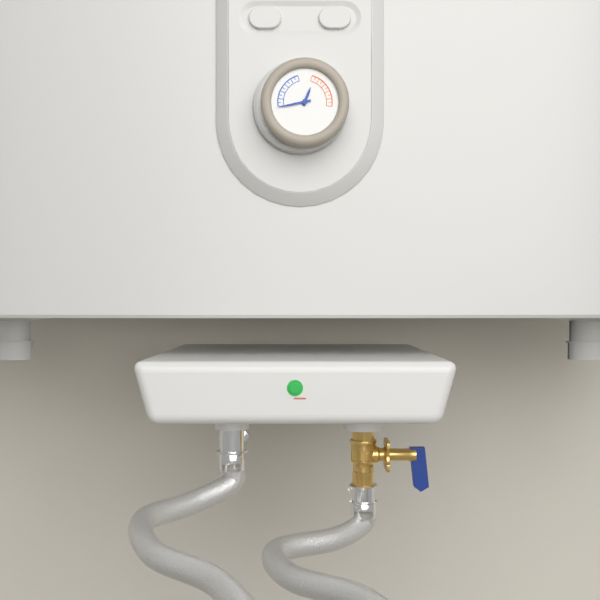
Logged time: {"hour": 12, "minute": 43}
